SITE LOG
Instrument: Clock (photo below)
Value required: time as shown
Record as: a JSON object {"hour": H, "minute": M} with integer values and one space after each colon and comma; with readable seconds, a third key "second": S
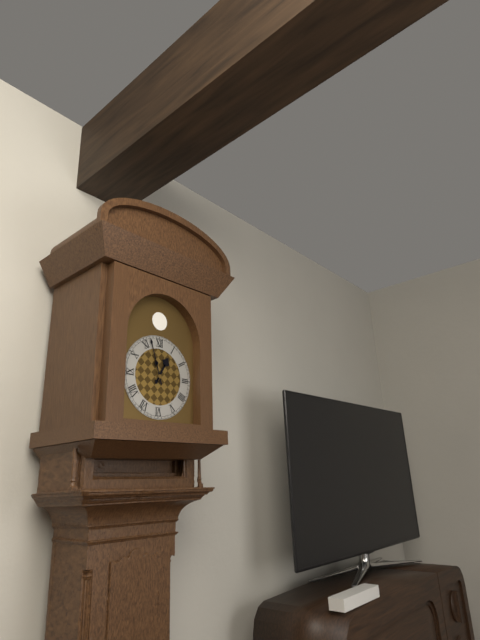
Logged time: {"hour": 12, "minute": 57}
